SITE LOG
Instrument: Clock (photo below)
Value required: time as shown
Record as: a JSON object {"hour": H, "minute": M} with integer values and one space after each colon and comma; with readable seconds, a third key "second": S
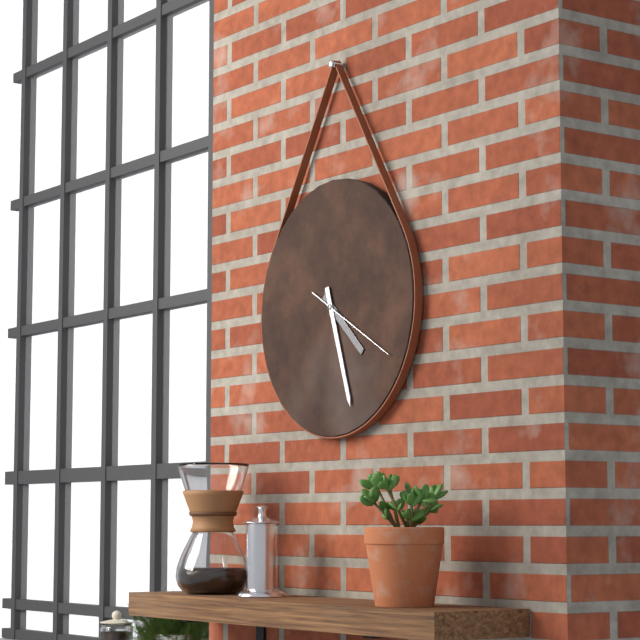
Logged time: {"hour": 4, "minute": 27, "second": 20}
